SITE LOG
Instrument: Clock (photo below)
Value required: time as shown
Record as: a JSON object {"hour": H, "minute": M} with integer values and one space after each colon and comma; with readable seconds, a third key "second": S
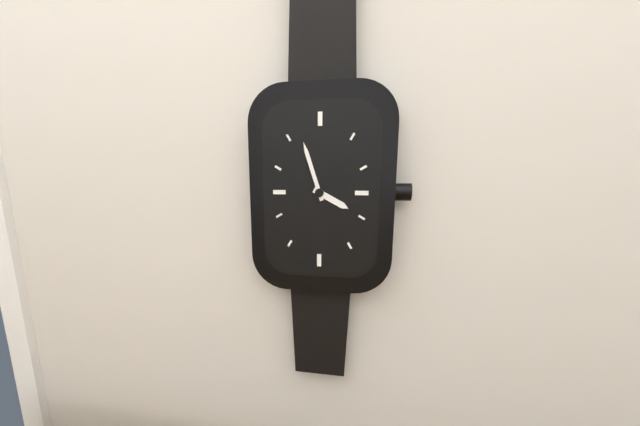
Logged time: {"hour": 3, "minute": 57}
